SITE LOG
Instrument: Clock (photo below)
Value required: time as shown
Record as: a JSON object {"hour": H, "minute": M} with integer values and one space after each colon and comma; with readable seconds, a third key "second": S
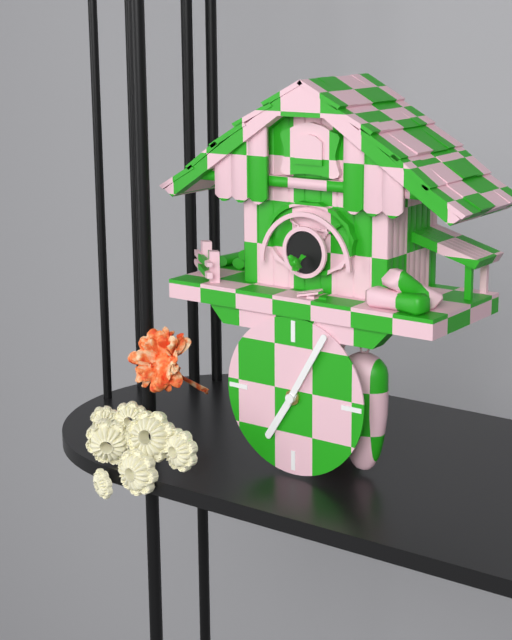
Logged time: {"hour": 7, "minute": 5}
